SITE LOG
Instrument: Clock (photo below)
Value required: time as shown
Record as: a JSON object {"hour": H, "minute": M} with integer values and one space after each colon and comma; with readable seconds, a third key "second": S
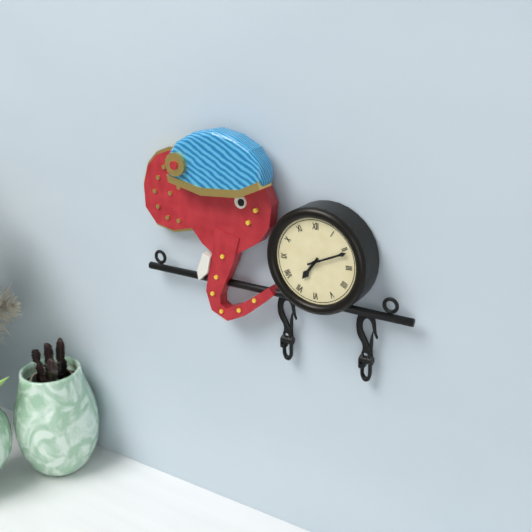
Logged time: {"hour": 7, "minute": 11}
